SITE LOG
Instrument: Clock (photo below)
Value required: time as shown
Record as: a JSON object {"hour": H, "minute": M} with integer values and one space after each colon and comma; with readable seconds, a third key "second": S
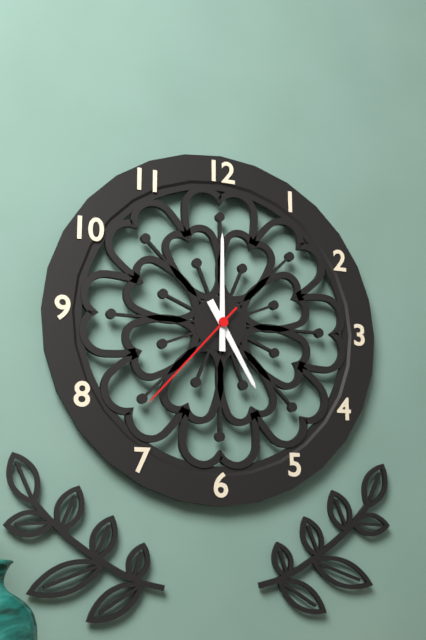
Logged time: {"hour": 5, "minute": 0, "second": 37}
